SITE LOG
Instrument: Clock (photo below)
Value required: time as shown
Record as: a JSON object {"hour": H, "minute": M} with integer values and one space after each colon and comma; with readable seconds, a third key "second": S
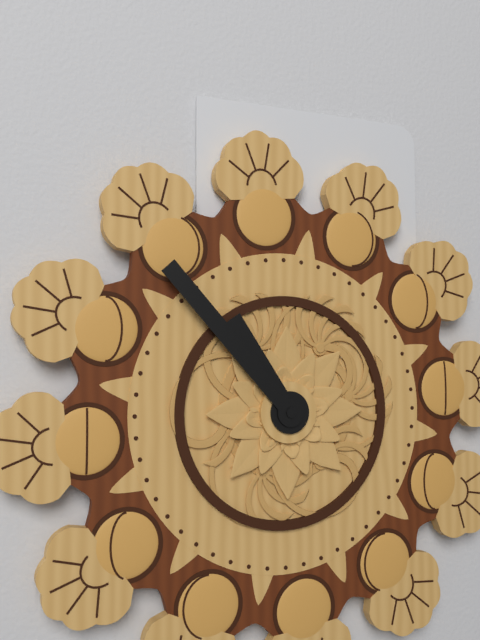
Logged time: {"hour": 10, "minute": 53}
